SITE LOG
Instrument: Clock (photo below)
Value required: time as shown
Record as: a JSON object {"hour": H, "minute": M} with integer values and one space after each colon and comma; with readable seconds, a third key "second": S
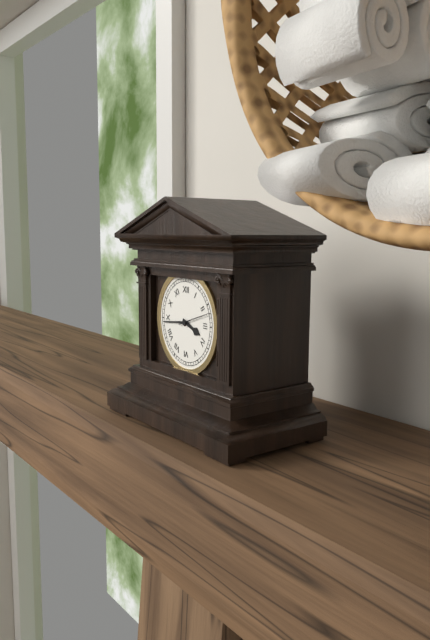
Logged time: {"hour": 3, "minute": 44}
